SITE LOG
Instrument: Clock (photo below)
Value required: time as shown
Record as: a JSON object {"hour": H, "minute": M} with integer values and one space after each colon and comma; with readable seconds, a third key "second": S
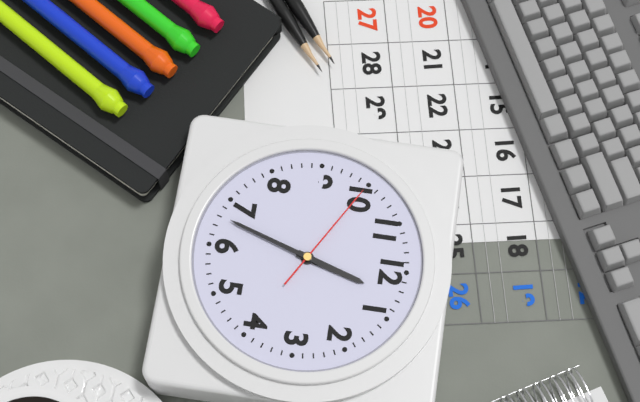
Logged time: {"hour": 12, "minute": 33, "second": 50}
